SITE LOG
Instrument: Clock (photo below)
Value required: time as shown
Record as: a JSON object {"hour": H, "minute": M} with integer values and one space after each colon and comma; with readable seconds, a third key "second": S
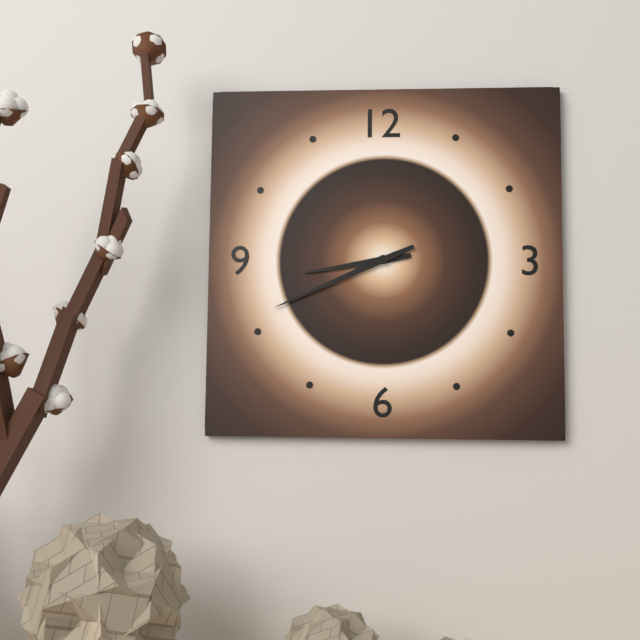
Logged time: {"hour": 8, "minute": 41}
